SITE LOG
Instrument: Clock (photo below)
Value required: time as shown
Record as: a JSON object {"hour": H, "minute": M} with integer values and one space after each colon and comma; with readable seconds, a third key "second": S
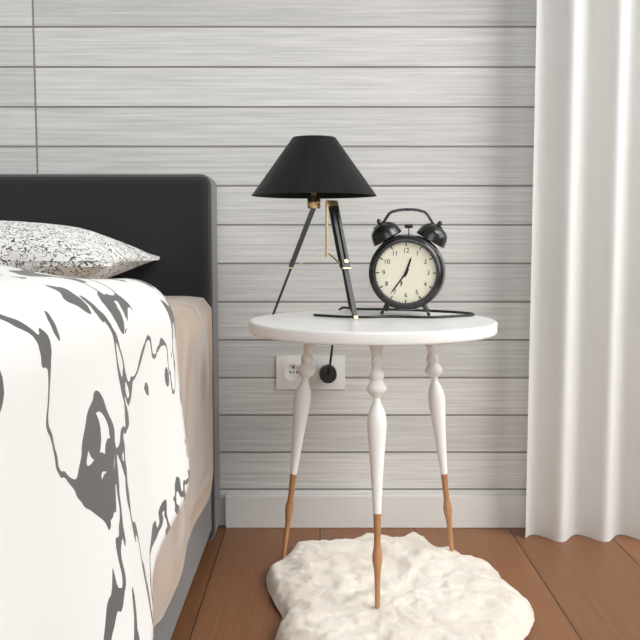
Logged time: {"hour": 12, "minute": 36}
